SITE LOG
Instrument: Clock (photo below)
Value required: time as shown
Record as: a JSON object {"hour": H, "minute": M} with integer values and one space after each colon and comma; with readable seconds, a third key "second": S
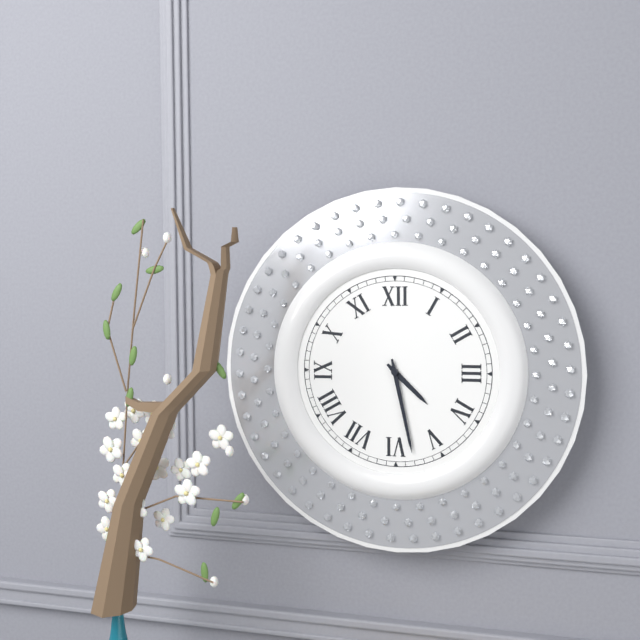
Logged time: {"hour": 4, "minute": 28}
